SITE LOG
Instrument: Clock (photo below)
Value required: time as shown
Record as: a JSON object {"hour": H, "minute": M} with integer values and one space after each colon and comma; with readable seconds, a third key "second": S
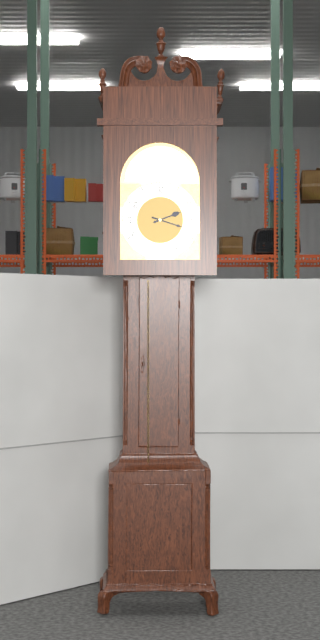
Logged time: {"hour": 2, "minute": 18}
